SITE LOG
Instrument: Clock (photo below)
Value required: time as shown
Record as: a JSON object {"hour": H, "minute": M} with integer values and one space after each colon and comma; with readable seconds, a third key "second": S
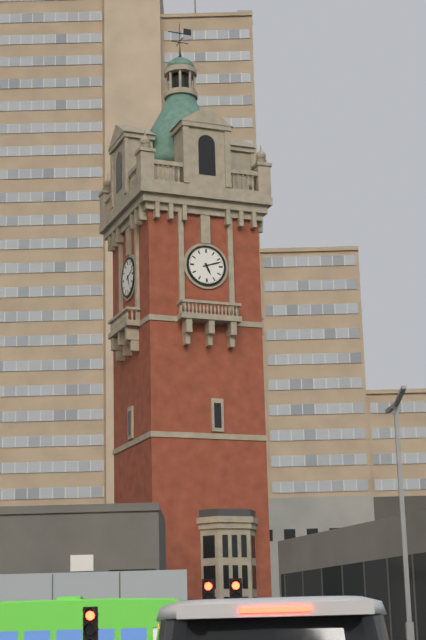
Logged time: {"hour": 5, "minute": 12}
